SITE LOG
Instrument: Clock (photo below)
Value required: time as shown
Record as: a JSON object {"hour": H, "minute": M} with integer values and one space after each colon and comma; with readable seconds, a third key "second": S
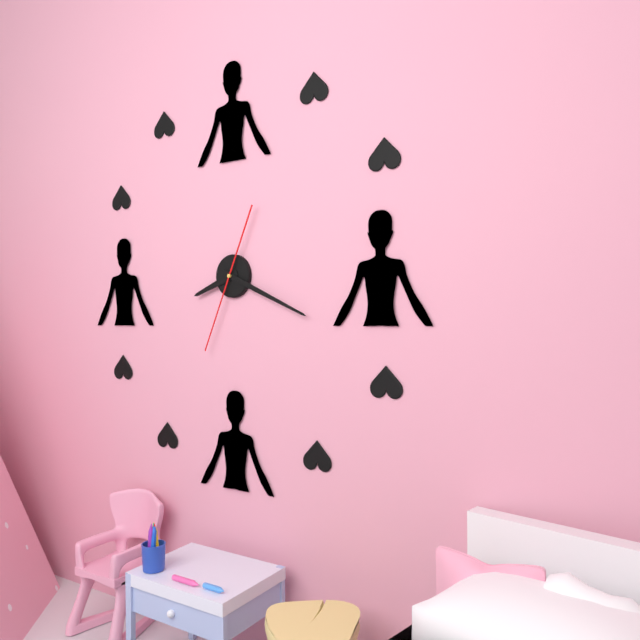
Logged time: {"hour": 8, "minute": 19, "second": 34}
